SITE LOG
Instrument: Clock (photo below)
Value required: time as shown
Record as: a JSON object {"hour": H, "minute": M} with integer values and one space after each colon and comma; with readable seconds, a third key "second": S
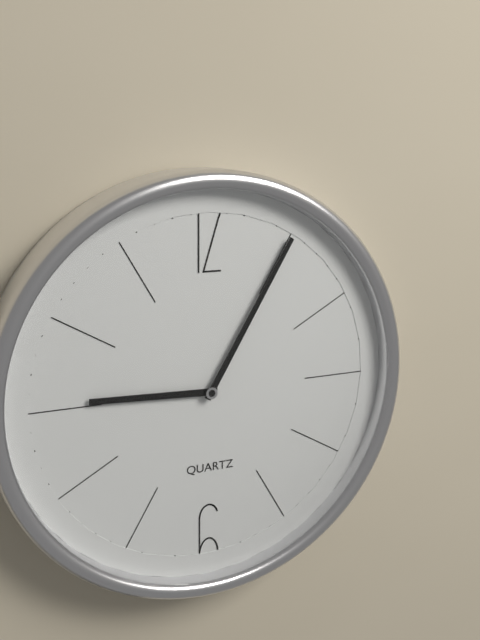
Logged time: {"hour": 9, "minute": 5}
